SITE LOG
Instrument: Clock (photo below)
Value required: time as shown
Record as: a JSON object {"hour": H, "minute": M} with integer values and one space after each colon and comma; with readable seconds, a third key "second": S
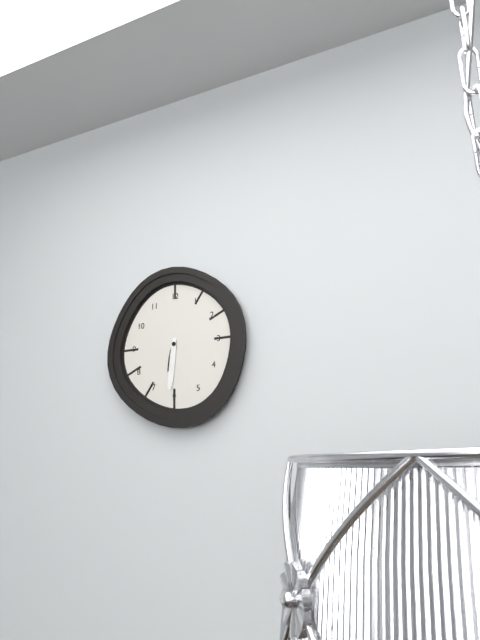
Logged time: {"hour": 6, "minute": 31}
